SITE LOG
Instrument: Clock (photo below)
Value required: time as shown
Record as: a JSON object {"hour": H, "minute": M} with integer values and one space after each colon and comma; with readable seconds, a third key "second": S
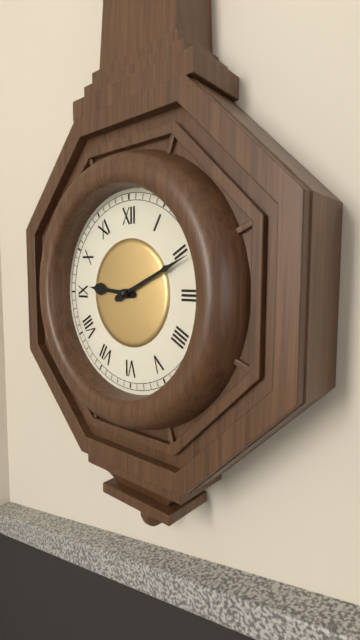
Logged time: {"hour": 9, "minute": 11}
